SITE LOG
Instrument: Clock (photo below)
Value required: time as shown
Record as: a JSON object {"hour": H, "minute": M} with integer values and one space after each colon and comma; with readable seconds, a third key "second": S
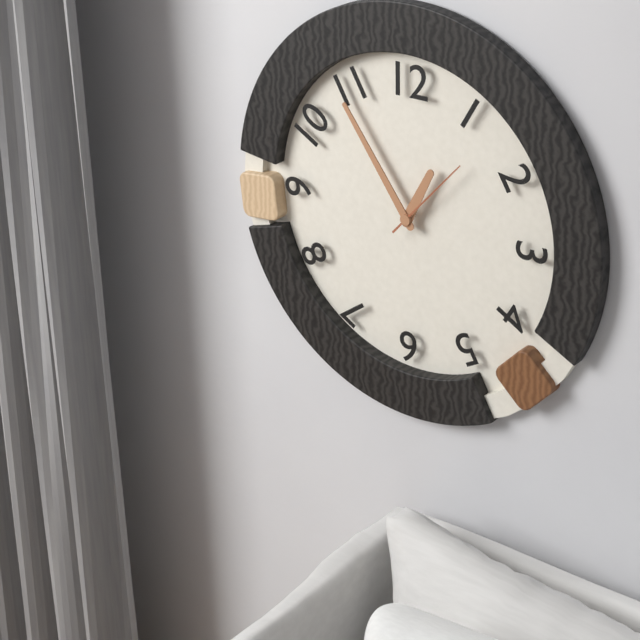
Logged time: {"hour": 12, "minute": 54, "second": 7}
